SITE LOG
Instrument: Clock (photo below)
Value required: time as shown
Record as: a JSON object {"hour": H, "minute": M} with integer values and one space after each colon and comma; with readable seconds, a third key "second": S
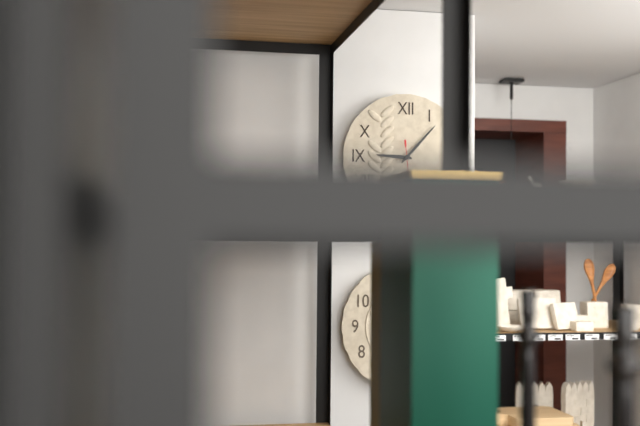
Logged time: {"hour": 9, "minute": 7}
